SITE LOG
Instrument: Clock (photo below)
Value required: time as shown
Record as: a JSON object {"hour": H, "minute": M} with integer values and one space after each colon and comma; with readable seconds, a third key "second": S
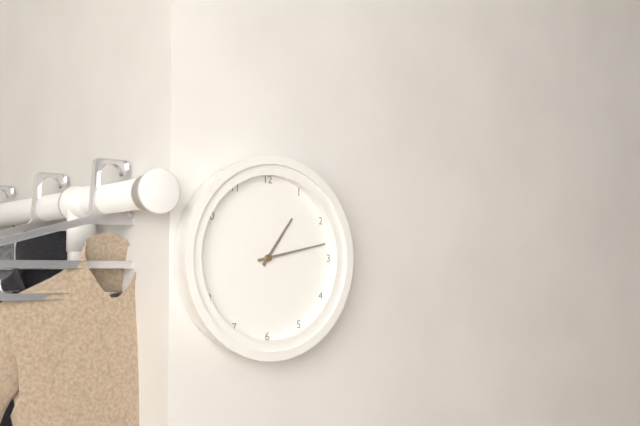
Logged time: {"hour": 1, "minute": 13}
